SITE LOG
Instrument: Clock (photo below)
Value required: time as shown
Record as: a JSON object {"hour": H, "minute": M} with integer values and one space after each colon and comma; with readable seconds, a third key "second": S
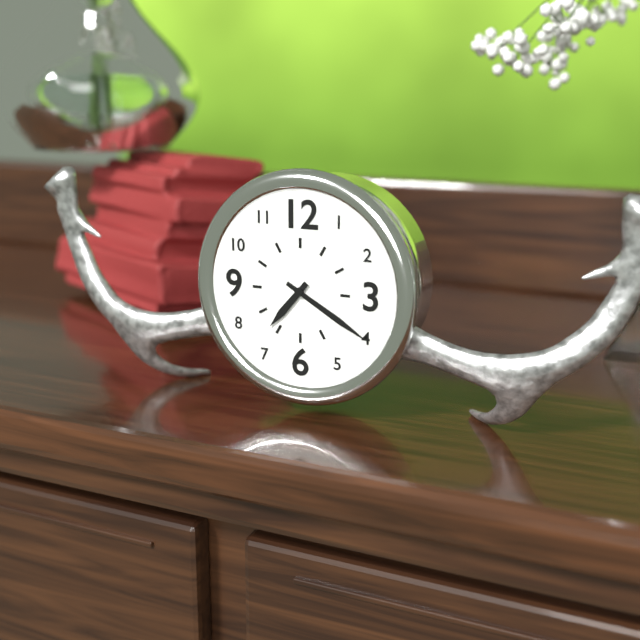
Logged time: {"hour": 7, "minute": 20}
